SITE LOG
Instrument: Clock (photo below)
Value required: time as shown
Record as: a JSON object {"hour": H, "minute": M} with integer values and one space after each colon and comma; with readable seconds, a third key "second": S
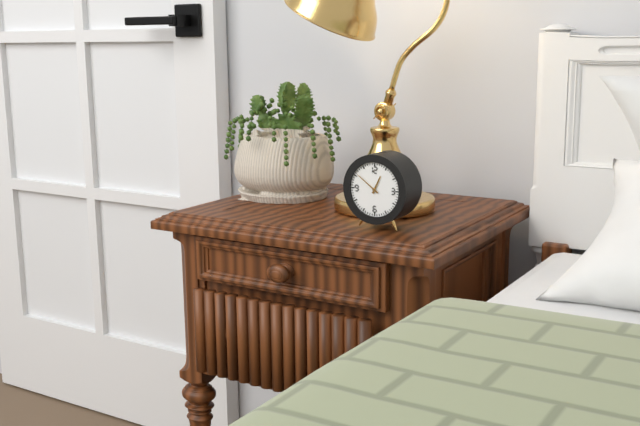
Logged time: {"hour": 12, "minute": 51}
